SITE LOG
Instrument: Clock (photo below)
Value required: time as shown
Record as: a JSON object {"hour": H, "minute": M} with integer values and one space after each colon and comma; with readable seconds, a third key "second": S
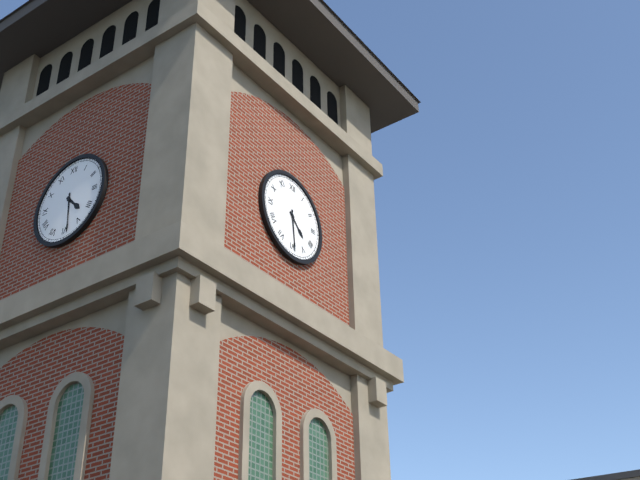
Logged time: {"hour": 4, "minute": 29}
